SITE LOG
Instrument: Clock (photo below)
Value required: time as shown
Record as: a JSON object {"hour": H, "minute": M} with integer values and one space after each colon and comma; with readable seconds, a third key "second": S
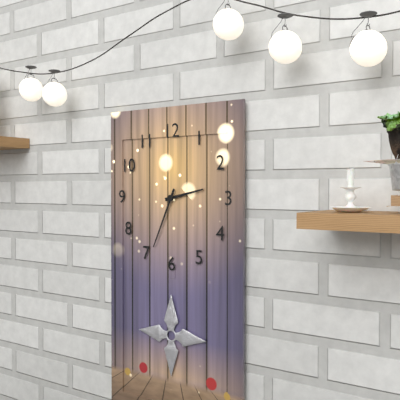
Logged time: {"hour": 2, "minute": 34}
